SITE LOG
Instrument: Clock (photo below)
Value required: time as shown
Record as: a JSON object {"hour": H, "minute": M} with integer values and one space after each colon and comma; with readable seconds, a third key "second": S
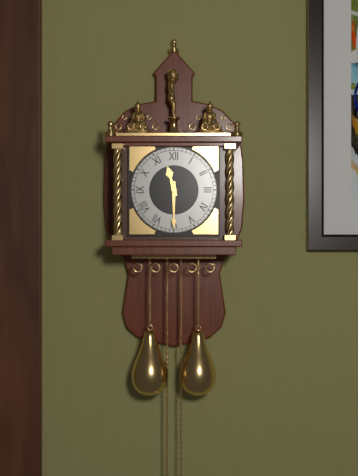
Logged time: {"hour": 11, "minute": 30}
